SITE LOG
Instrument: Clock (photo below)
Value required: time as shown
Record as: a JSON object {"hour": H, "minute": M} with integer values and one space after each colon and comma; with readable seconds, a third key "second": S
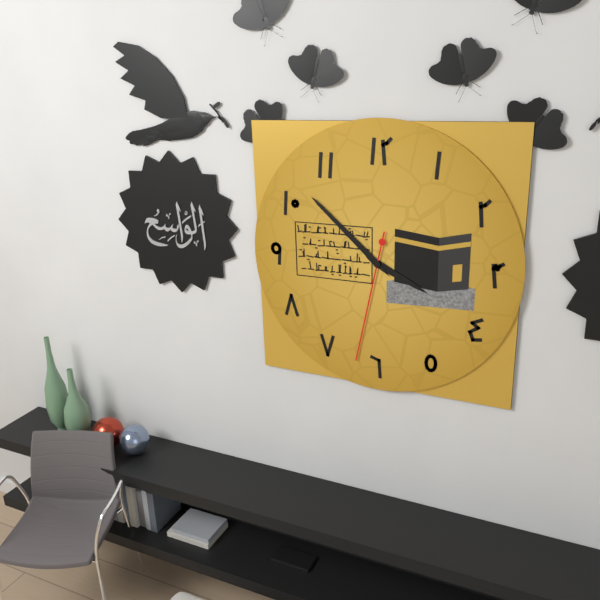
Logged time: {"hour": 3, "minute": 52, "second": 32}
